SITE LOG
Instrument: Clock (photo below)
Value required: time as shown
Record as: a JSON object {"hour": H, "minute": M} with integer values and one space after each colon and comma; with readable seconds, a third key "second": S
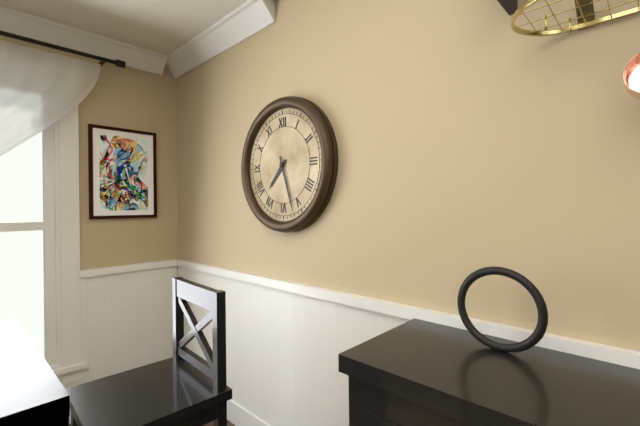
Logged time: {"hour": 7, "minute": 27}
